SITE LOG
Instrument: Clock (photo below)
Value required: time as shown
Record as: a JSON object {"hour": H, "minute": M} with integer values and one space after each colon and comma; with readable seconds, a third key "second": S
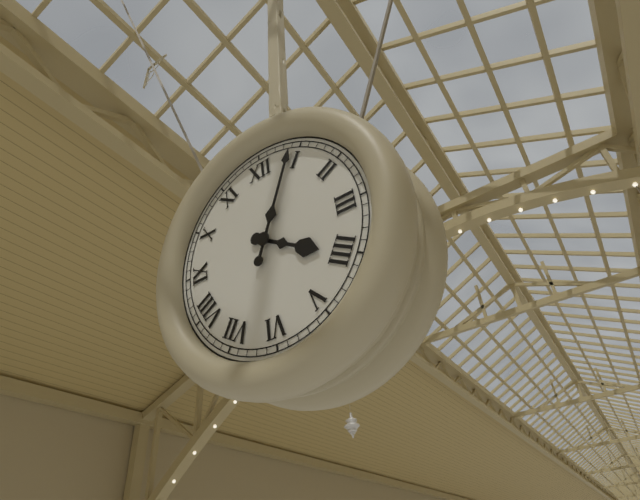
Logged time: {"hour": 4, "minute": 4}
